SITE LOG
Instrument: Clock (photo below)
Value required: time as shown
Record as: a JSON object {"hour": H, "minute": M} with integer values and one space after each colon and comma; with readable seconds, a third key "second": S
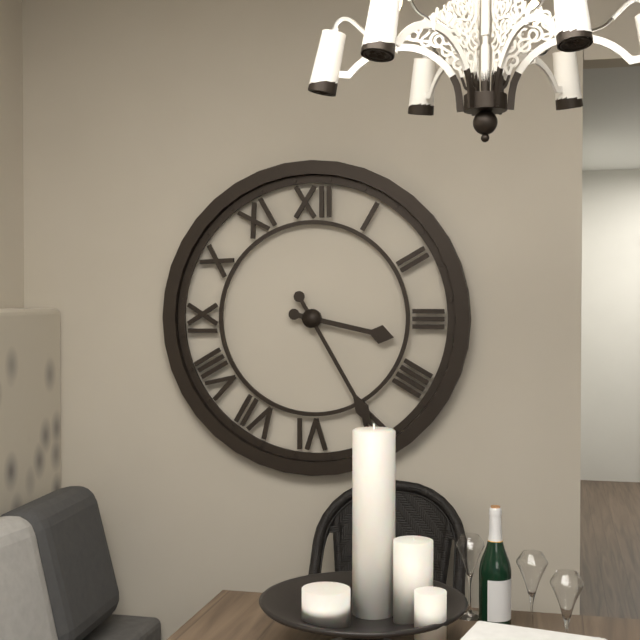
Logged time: {"hour": 3, "minute": 25}
